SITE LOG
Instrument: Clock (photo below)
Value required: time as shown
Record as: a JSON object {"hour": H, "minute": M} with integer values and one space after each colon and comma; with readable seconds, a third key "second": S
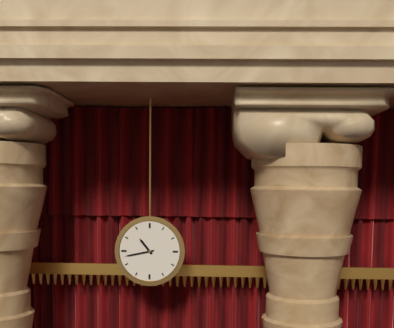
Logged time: {"hour": 10, "minute": 43}
